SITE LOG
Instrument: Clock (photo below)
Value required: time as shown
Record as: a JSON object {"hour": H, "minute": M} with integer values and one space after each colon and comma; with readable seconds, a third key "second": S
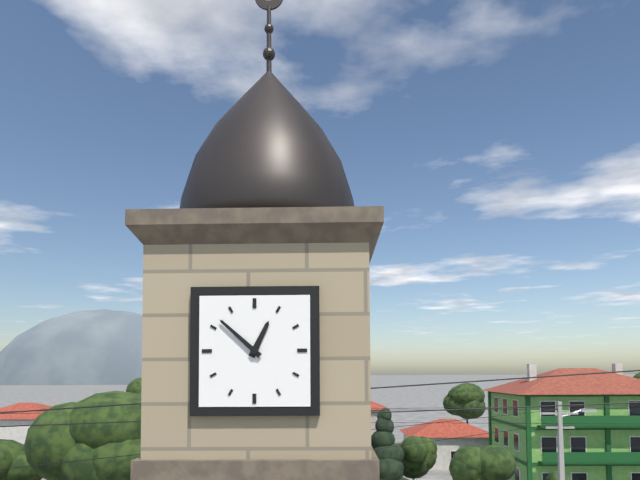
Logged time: {"hour": 12, "minute": 52}
